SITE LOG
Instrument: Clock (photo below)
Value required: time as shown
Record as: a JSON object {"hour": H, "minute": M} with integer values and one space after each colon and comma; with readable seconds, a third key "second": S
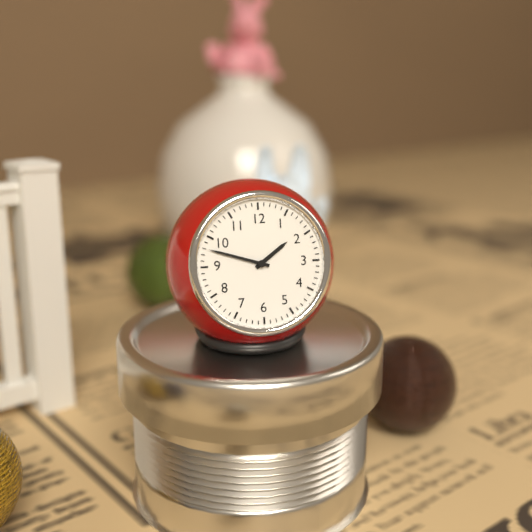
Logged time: {"hour": 1, "minute": 48}
